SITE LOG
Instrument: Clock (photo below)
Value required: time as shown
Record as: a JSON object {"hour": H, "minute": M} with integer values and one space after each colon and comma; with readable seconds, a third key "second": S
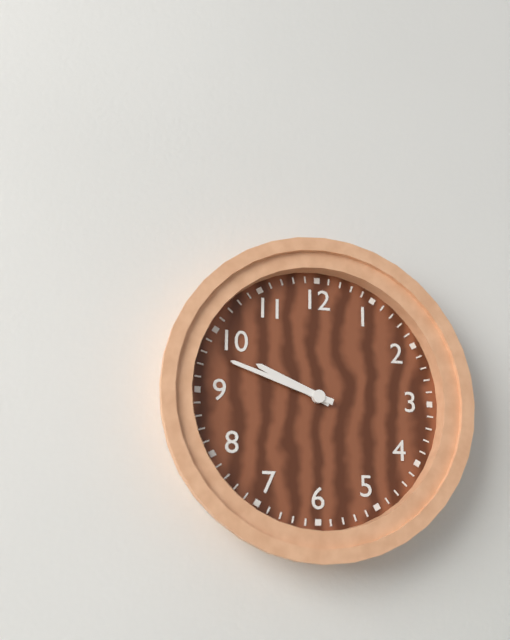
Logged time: {"hour": 9, "minute": 48}
